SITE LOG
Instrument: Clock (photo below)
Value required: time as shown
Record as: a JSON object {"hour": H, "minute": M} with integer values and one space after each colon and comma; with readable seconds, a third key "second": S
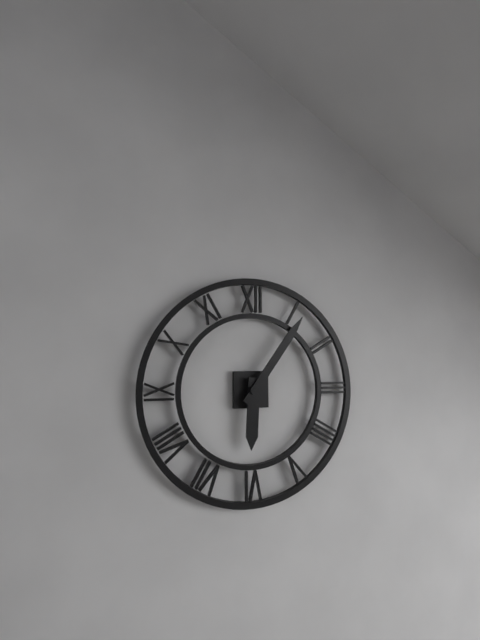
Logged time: {"hour": 6, "minute": 6}
